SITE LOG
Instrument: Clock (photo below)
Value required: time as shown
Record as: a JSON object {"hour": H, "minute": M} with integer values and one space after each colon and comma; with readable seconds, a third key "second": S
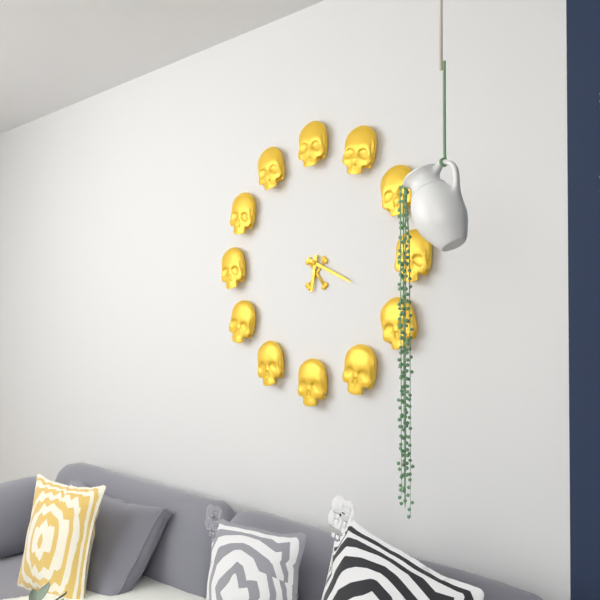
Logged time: {"hour": 6, "minute": 19}
